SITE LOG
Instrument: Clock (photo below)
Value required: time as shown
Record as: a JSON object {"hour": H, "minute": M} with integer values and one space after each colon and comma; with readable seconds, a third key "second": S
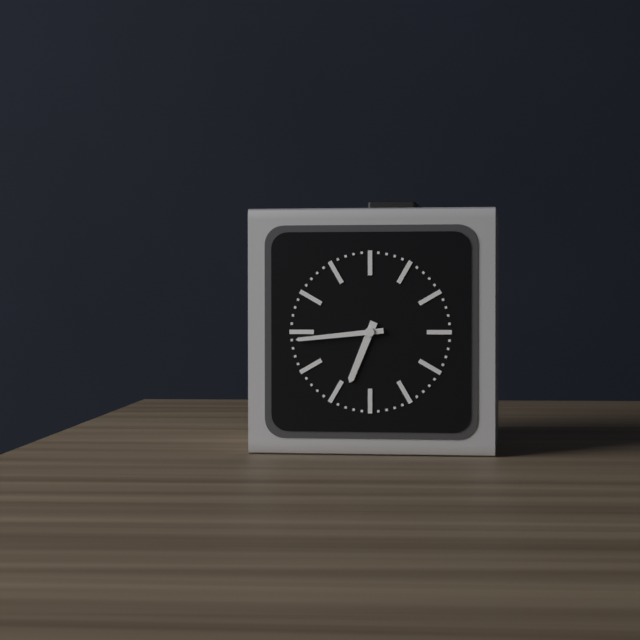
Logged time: {"hour": 6, "minute": 44}
